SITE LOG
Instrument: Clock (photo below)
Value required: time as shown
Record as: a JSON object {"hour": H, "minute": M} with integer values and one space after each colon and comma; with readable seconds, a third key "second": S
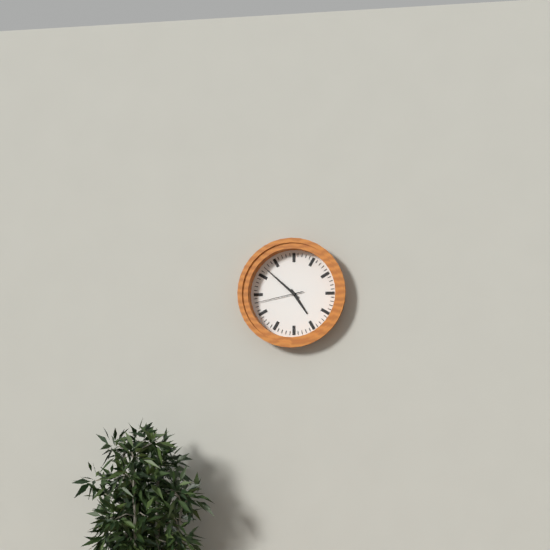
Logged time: {"hour": 4, "minute": 52}
